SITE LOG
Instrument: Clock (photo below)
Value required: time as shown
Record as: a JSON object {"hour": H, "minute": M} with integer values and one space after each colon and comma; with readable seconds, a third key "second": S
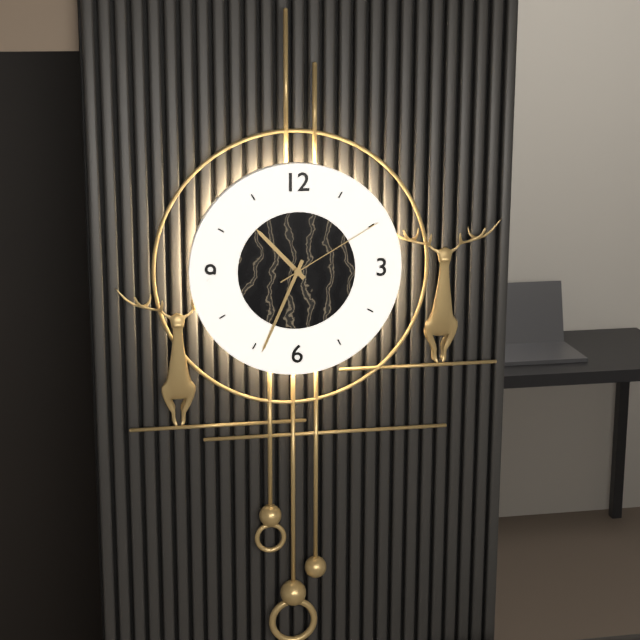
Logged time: {"hour": 10, "minute": 34, "second": 10}
